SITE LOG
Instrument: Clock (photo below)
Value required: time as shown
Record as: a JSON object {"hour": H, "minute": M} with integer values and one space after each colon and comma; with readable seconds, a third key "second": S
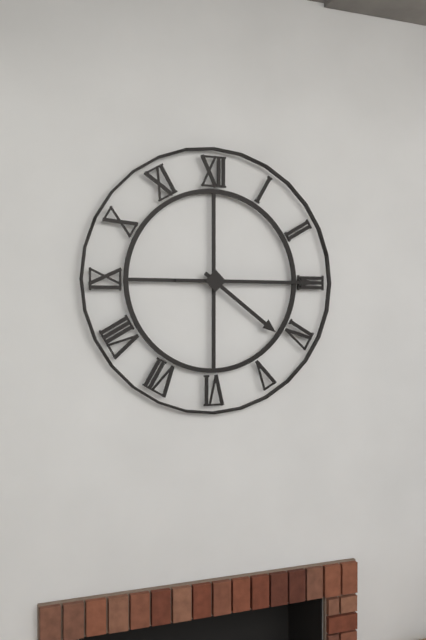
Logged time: {"hour": 4, "minute": 15}
